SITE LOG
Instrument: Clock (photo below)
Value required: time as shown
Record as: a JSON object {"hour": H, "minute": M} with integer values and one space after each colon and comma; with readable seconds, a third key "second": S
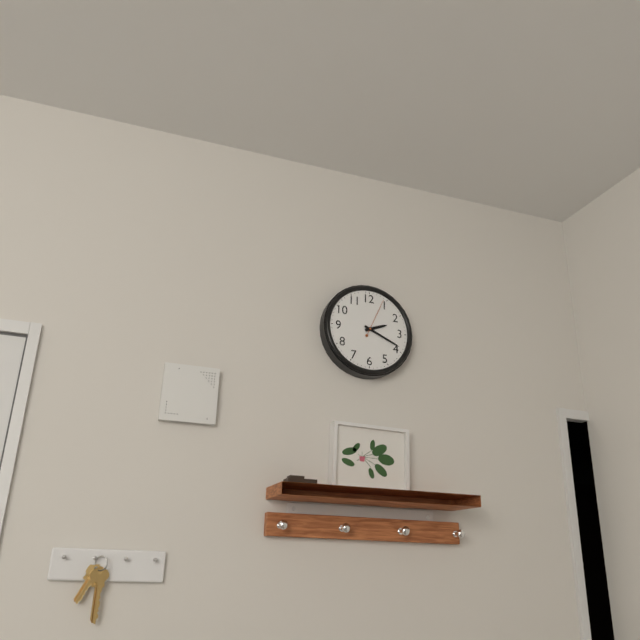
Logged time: {"hour": 2, "minute": 19}
